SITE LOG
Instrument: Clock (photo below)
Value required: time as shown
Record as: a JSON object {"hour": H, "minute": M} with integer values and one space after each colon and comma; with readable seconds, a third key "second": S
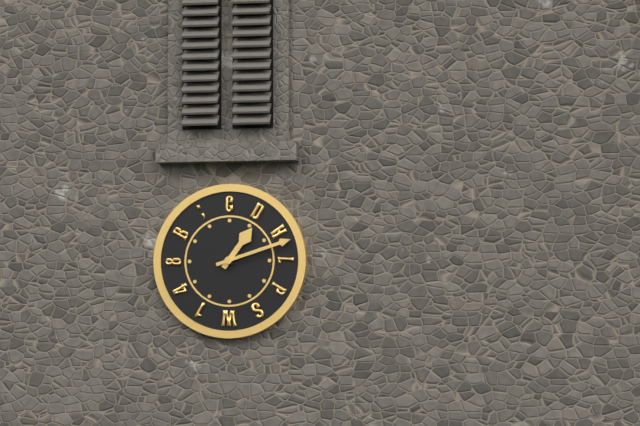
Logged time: {"hour": 1, "minute": 12}
